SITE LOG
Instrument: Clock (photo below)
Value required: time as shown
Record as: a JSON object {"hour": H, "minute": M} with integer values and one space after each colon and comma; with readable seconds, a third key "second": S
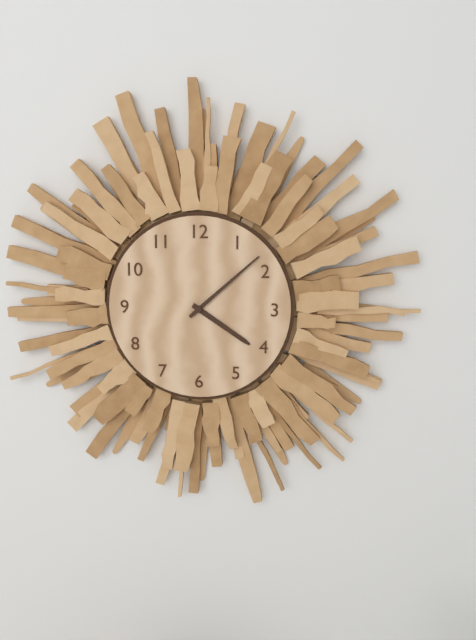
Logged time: {"hour": 4, "minute": 8}
